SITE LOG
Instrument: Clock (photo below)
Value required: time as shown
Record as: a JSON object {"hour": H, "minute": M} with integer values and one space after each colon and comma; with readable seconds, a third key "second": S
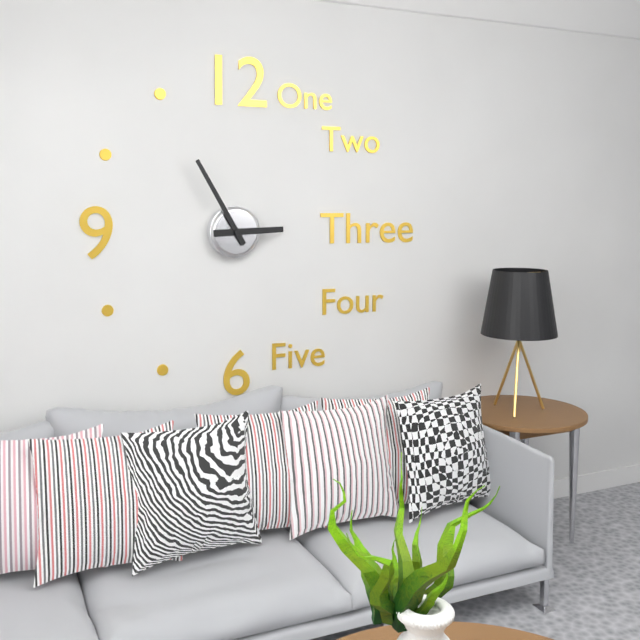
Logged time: {"hour": 2, "minute": 55}
